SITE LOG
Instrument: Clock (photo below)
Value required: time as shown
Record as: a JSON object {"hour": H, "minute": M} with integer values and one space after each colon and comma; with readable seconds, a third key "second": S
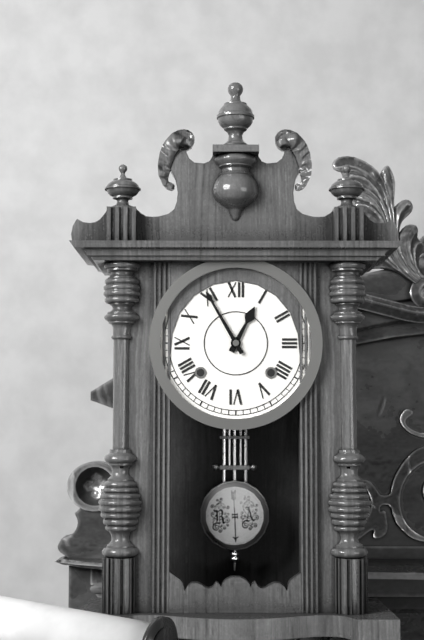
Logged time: {"hour": 12, "minute": 55}
